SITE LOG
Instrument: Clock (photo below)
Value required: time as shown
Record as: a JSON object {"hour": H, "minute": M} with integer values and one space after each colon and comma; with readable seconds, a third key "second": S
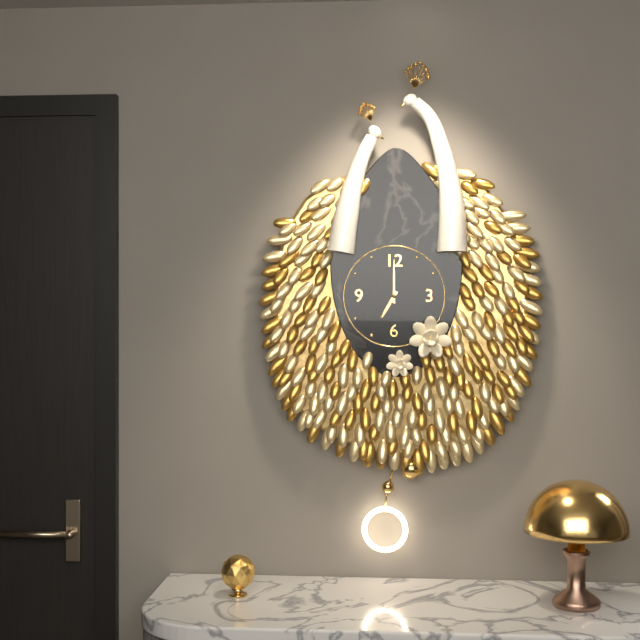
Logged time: {"hour": 7, "minute": 0}
